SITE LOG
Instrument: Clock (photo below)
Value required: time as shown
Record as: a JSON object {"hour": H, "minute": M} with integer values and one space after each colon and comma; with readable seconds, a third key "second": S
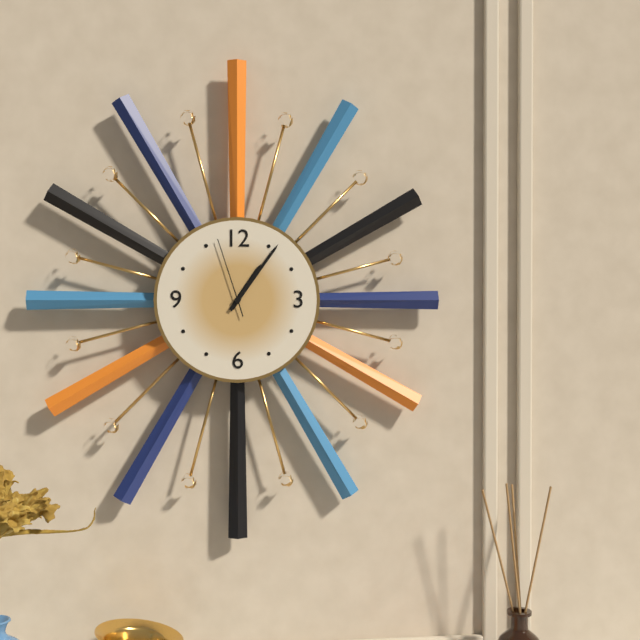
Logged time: {"hour": 1, "minute": 6, "second": 57}
